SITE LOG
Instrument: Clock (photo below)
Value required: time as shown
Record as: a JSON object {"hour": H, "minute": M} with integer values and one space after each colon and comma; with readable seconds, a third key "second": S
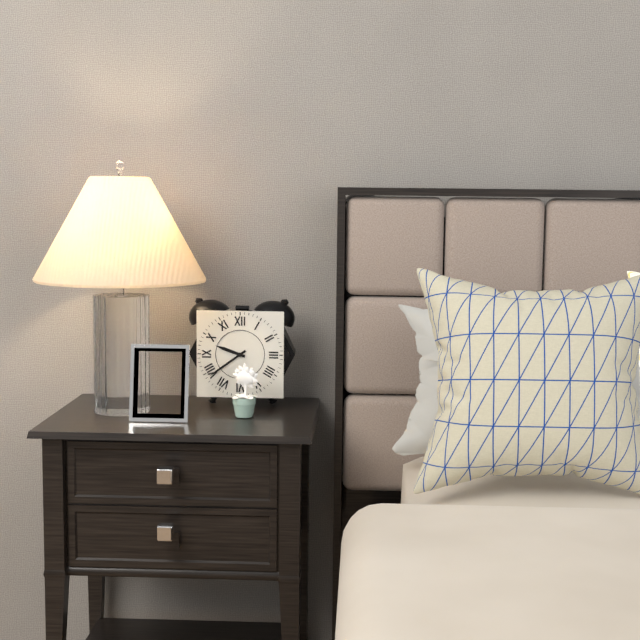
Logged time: {"hour": 9, "minute": 39}
